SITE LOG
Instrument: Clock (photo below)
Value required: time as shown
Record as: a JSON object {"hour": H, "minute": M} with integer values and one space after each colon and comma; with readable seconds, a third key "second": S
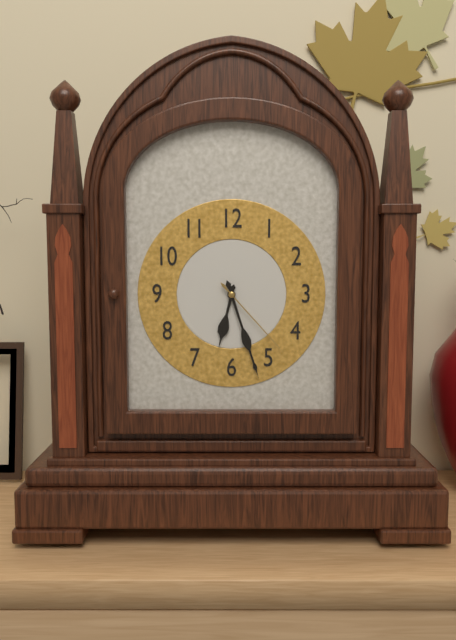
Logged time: {"hour": 6, "minute": 27, "second": 23}
